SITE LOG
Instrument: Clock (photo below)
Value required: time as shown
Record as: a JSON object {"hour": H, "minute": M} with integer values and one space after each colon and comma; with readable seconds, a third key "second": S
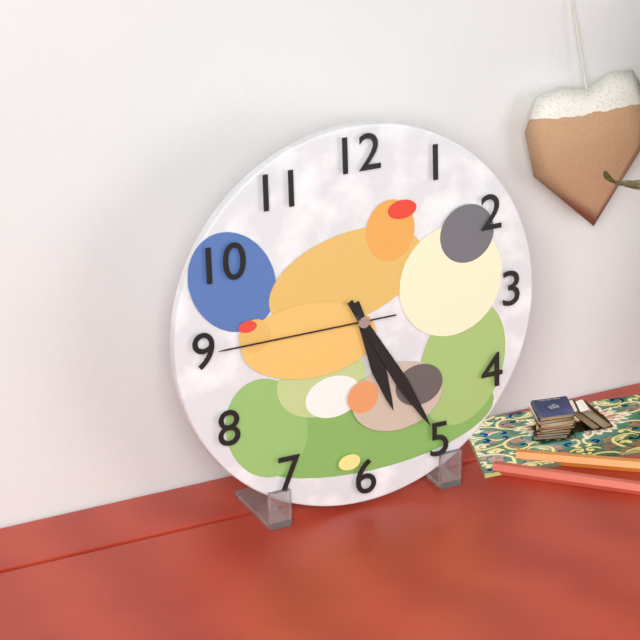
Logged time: {"hour": 5, "minute": 25, "second": 45}
